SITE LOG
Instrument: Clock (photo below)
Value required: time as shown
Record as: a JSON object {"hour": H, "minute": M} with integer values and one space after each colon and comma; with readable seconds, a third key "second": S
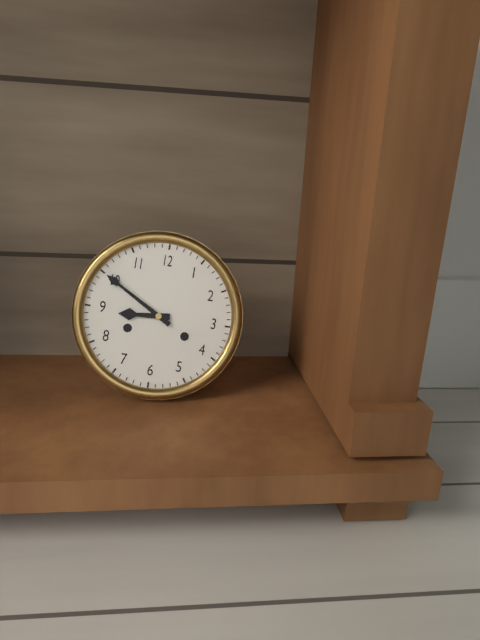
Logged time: {"hour": 8, "minute": 50}
